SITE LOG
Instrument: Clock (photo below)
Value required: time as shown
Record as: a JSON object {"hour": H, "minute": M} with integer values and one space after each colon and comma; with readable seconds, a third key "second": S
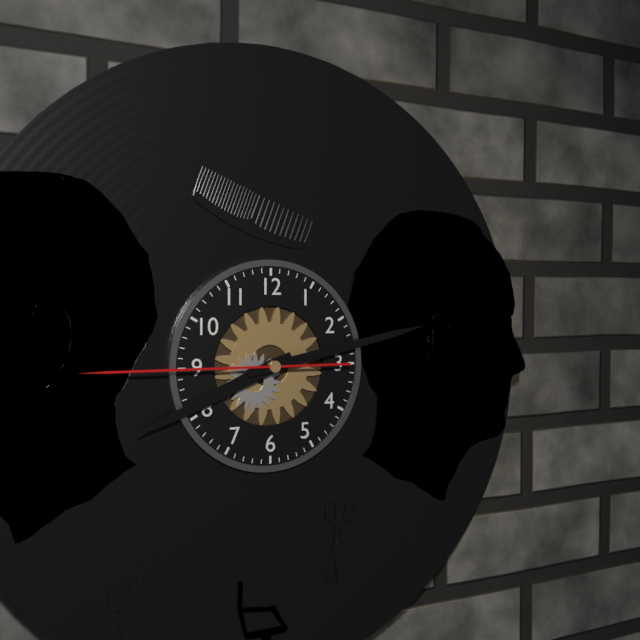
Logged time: {"hour": 8, "minute": 13, "second": 45}
